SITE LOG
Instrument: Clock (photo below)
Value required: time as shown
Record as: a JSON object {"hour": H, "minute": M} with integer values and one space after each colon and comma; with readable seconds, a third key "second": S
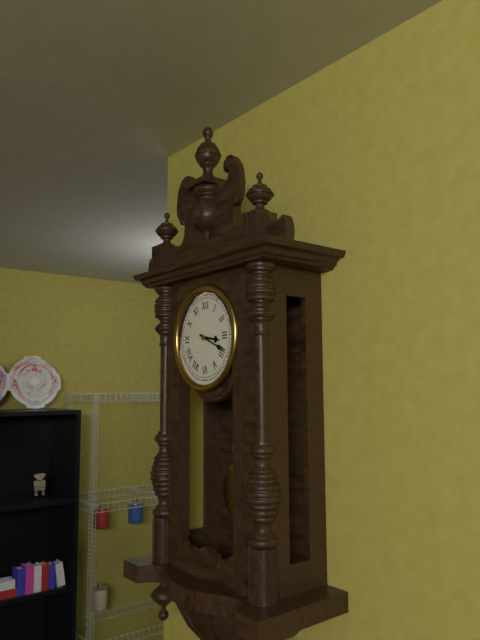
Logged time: {"hour": 3, "minute": 19}
